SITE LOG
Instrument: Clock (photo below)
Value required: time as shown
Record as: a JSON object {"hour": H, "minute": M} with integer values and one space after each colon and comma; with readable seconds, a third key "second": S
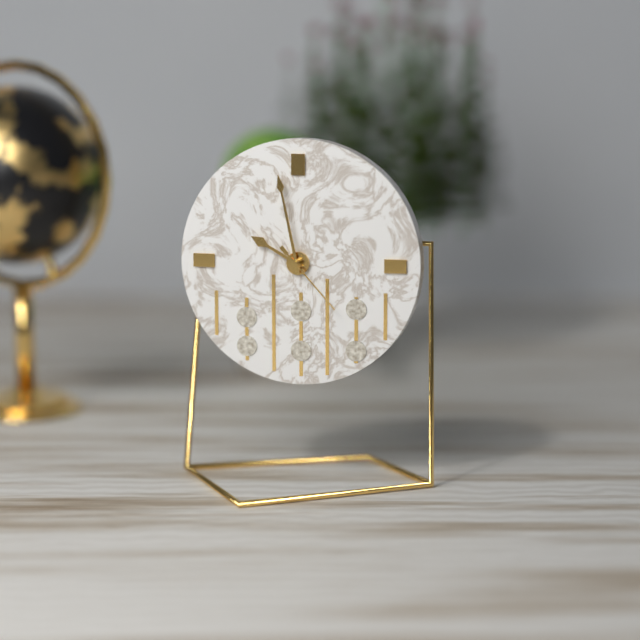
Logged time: {"hour": 9, "minute": 58, "second": 23}
